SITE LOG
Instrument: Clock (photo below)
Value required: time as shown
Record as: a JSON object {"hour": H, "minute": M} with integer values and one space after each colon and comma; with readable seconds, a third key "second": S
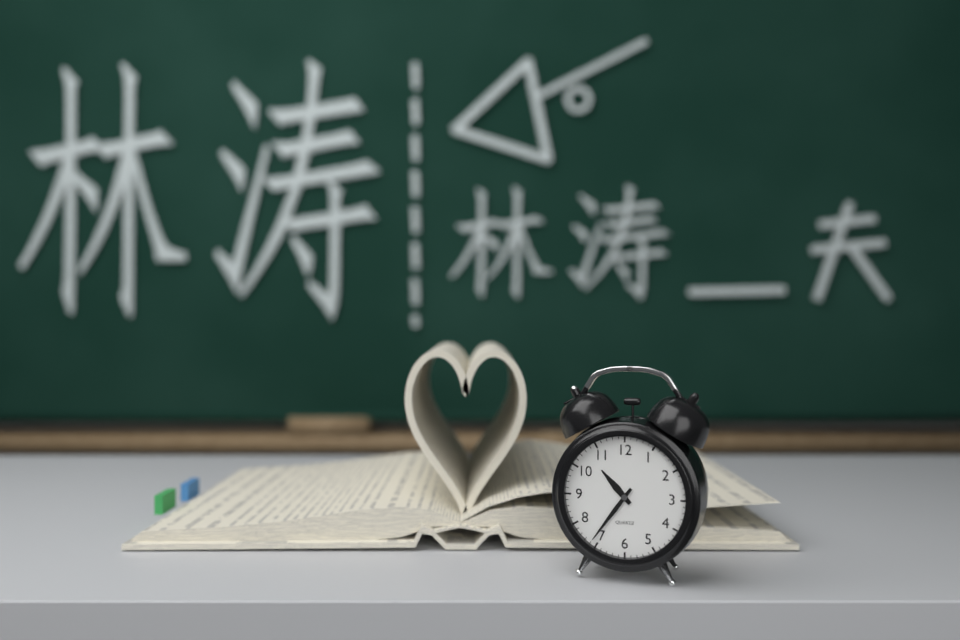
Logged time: {"hour": 10, "minute": 36}
